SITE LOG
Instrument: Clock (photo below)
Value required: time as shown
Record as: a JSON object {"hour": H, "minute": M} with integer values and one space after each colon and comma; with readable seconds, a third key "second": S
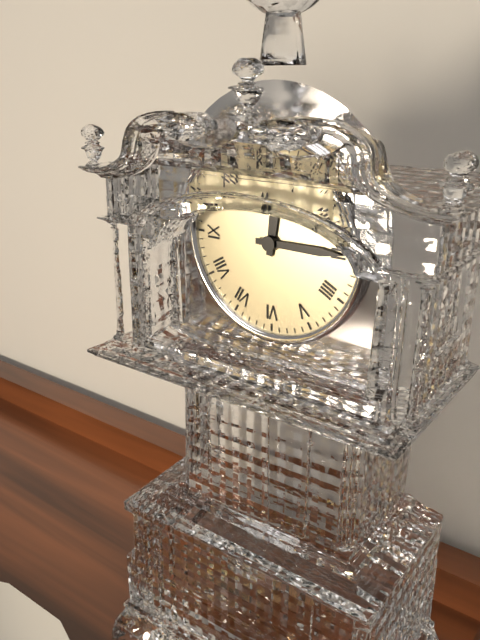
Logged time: {"hour": 12, "minute": 15}
